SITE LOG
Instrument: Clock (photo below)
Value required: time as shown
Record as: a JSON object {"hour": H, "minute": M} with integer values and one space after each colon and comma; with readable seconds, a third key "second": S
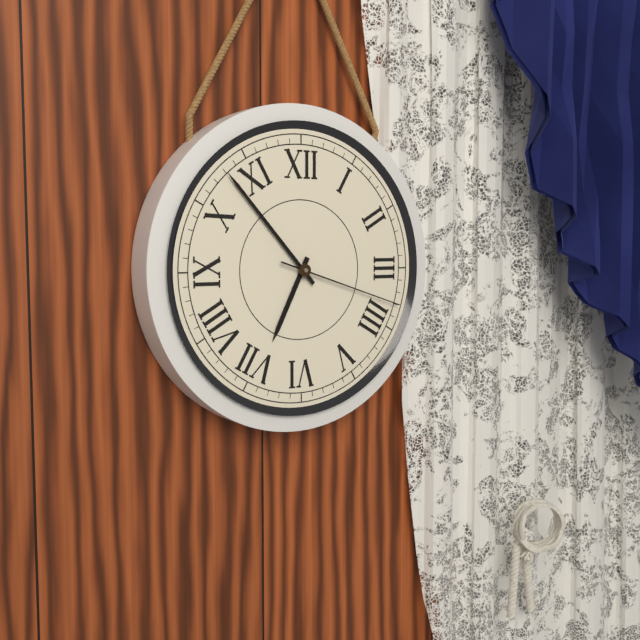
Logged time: {"hour": 6, "minute": 53, "second": 18}
